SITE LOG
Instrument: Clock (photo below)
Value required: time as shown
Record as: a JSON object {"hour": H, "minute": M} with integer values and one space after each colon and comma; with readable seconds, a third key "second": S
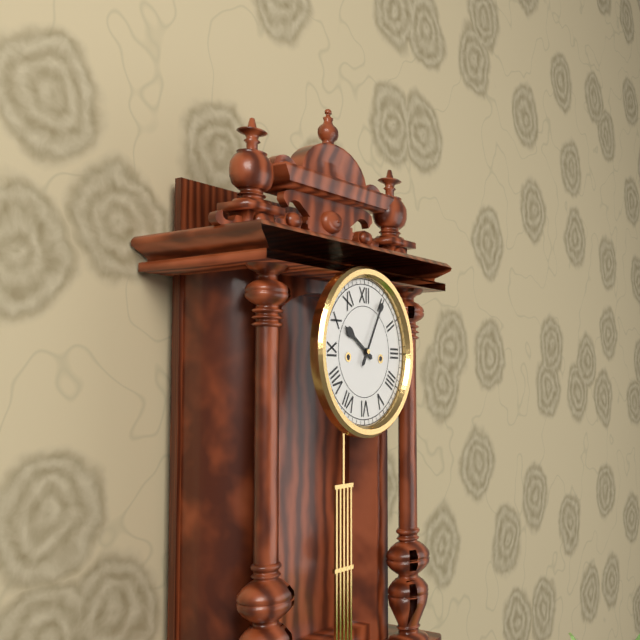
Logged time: {"hour": 10, "minute": 5}
